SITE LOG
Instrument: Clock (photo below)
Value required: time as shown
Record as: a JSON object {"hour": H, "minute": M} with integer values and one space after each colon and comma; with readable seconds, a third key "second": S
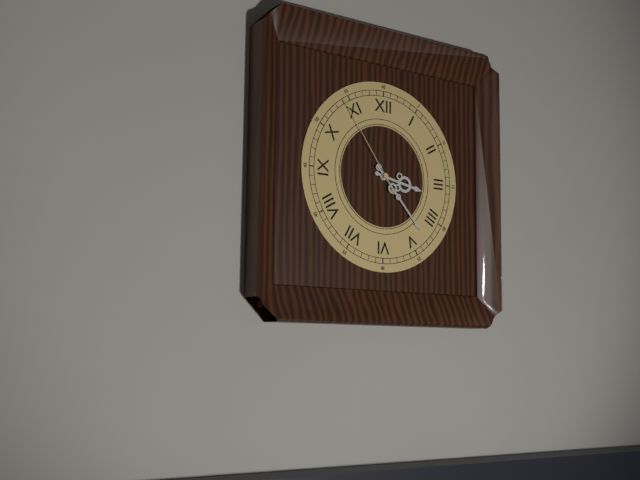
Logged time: {"hour": 3, "minute": 23, "second": 54}
